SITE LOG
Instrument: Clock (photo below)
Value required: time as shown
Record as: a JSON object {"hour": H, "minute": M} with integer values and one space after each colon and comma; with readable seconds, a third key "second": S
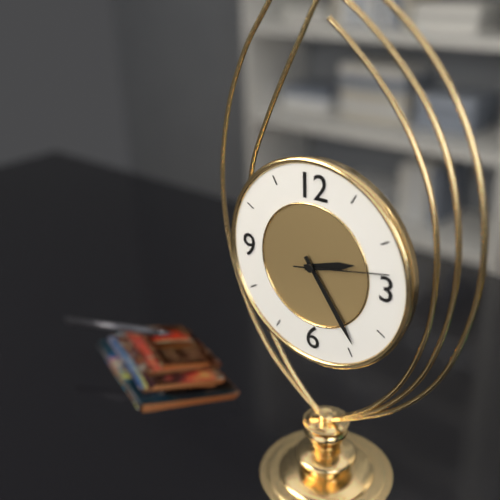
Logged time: {"hour": 2, "minute": 24, "second": 13}
